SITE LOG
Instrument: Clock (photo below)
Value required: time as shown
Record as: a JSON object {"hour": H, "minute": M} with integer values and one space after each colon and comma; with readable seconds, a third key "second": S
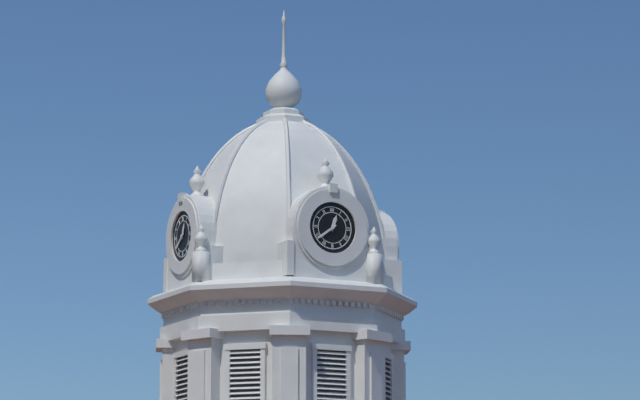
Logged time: {"hour": 12, "minute": 39}
